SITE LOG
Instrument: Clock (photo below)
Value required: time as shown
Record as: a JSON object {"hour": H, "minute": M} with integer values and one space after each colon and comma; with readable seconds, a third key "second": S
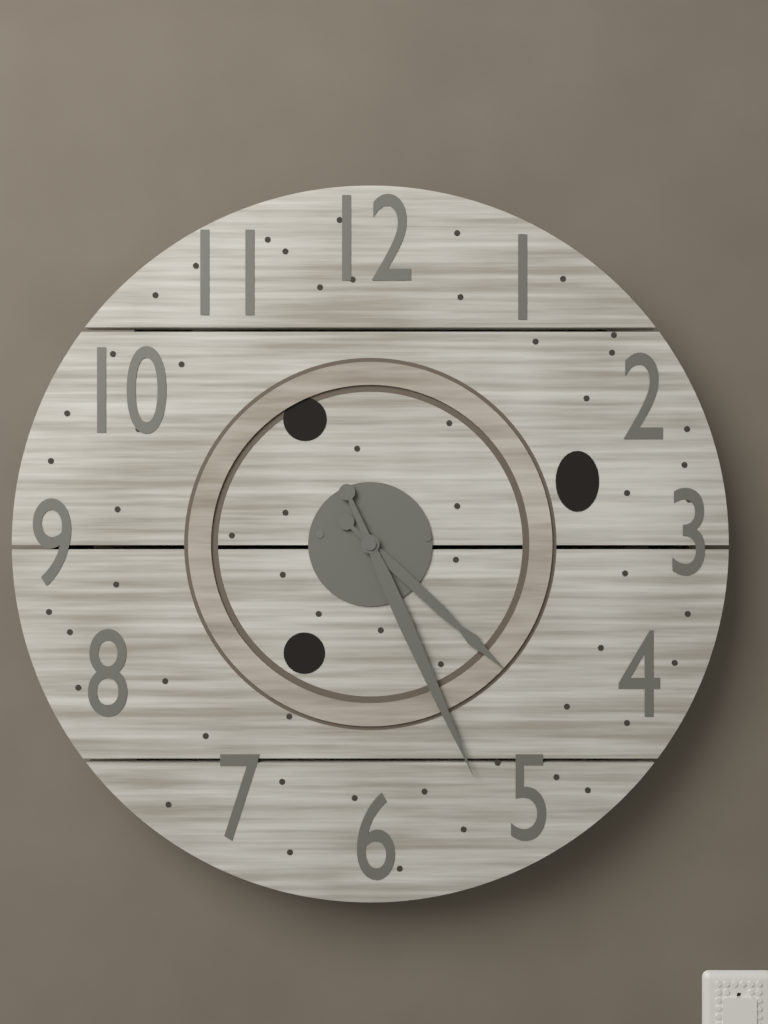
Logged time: {"hour": 4, "minute": 26}
